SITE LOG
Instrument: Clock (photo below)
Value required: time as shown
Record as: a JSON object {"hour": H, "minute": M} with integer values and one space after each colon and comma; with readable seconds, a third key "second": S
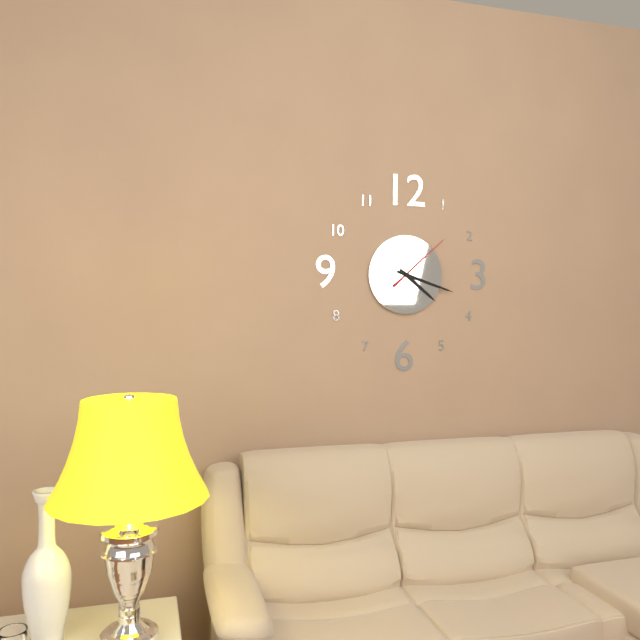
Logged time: {"hour": 4, "minute": 18, "second": 8}
